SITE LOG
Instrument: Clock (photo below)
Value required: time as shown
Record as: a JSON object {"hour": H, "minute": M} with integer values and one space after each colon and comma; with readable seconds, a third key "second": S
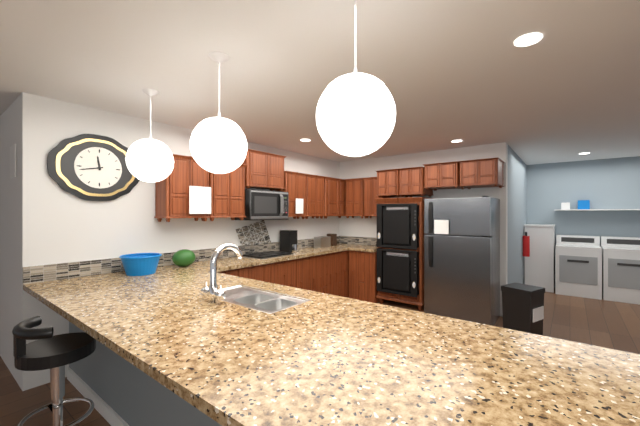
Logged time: {"hour": 11, "minute": 43}
